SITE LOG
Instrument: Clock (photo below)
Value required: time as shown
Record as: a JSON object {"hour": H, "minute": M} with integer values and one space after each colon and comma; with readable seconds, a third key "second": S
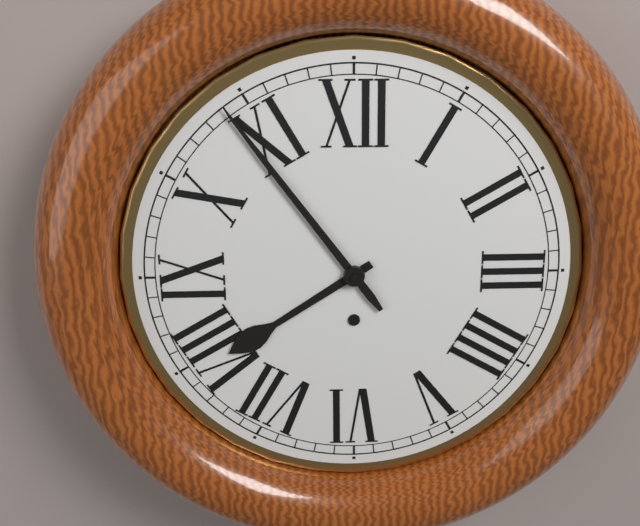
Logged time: {"hour": 7, "minute": 54}
